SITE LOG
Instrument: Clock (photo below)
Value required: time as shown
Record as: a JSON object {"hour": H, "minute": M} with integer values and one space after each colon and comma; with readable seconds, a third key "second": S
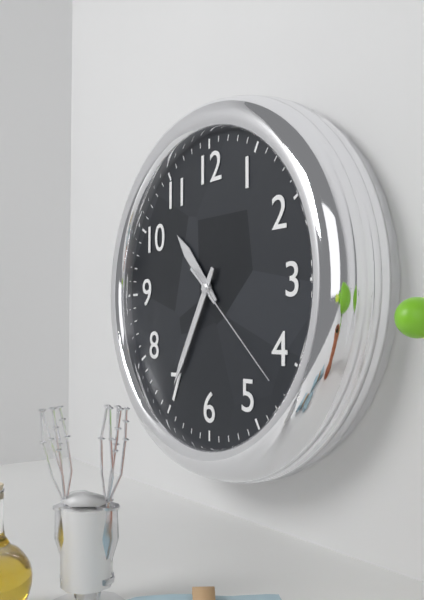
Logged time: {"hour": 10, "minute": 35, "second": 22}
